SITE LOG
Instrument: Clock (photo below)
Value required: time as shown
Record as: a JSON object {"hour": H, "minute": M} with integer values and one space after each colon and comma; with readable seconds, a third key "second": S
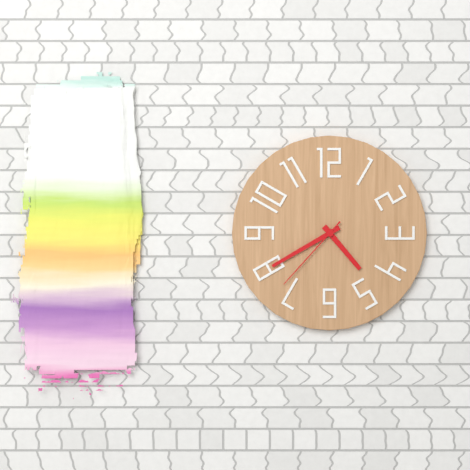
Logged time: {"hour": 4, "minute": 40, "second": 37}
